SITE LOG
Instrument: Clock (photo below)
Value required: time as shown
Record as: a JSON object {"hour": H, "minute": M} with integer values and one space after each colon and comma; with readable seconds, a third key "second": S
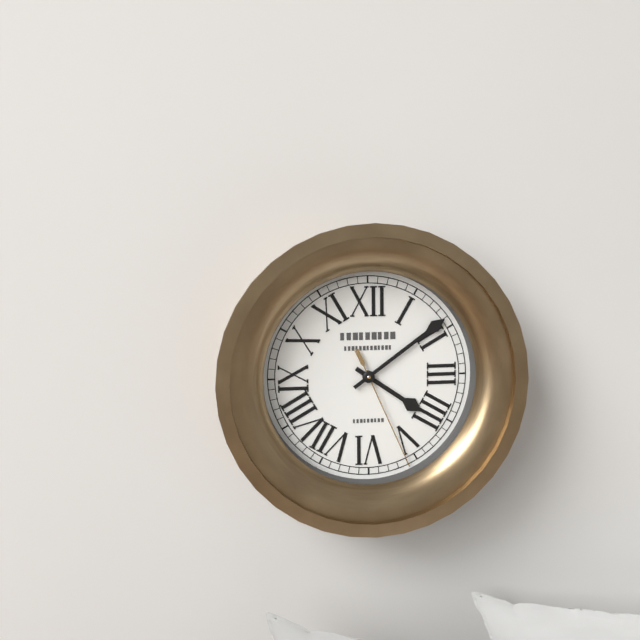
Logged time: {"hour": 4, "minute": 9, "second": 26}
